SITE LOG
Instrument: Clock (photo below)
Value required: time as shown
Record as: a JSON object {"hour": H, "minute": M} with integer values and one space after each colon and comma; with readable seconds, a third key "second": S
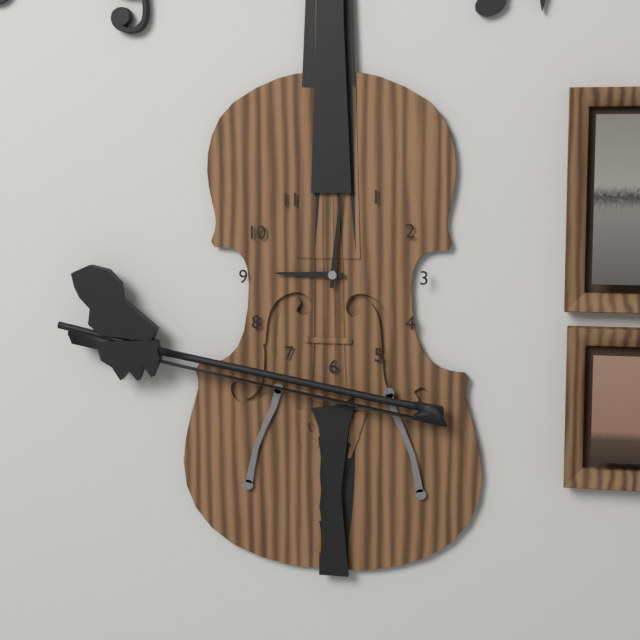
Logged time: {"hour": 9, "minute": 1}
